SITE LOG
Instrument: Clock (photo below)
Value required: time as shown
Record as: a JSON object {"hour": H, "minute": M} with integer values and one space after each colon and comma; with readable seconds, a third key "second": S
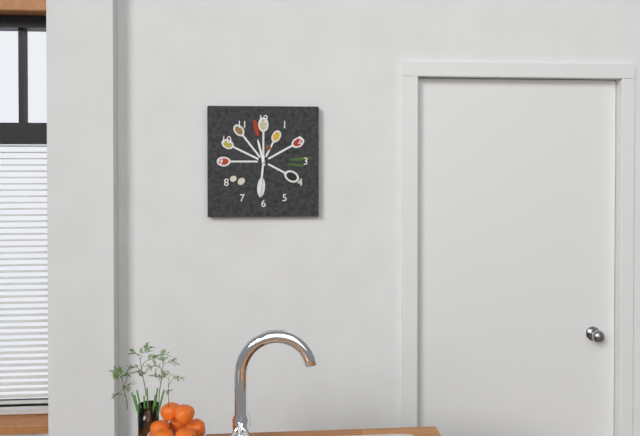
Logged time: {"hour": 11, "minute": 31}
